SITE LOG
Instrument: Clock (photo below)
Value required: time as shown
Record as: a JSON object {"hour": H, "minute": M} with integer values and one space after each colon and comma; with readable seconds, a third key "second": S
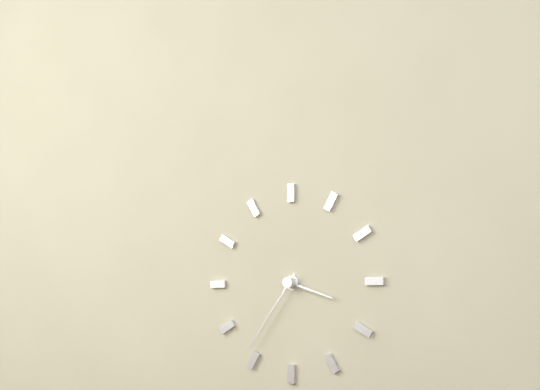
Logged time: {"hour": 3, "minute": 36}
